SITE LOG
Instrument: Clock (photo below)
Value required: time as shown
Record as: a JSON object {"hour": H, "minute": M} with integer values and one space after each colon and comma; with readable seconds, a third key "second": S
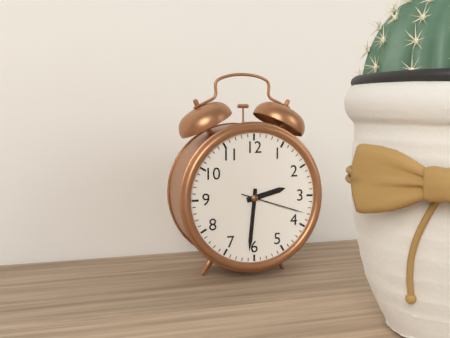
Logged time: {"hour": 2, "minute": 31, "second": 18}
